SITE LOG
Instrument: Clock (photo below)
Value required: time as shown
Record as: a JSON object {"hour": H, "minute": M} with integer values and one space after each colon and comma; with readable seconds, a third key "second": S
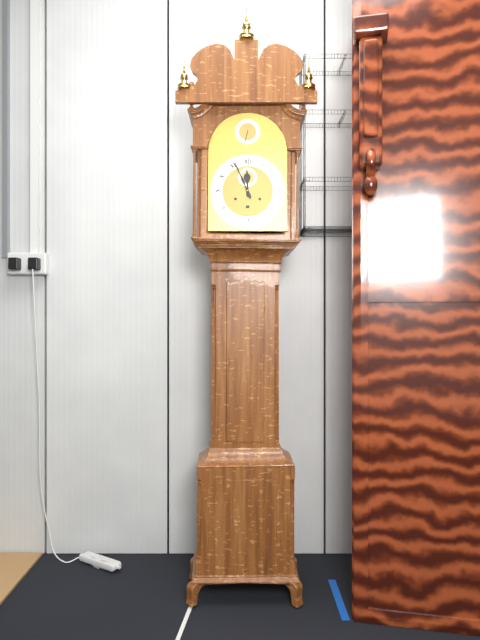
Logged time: {"hour": 11, "minute": 56}
